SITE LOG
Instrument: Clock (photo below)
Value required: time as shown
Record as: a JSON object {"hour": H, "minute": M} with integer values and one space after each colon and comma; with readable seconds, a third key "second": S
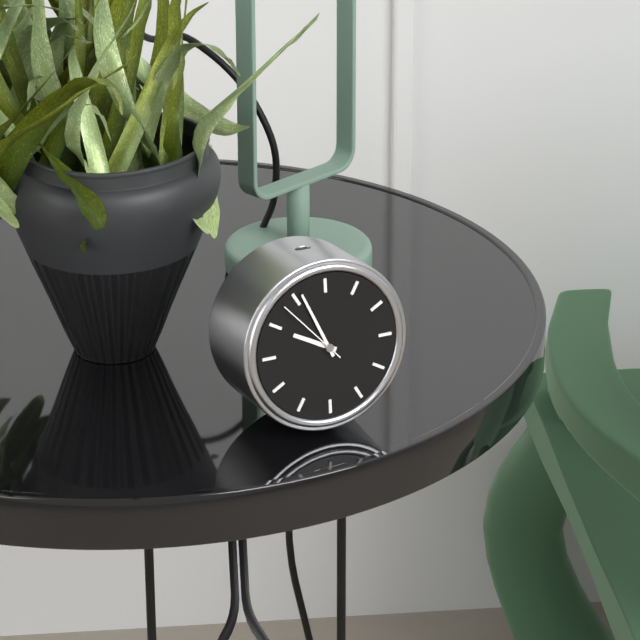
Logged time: {"hour": 9, "minute": 56, "second": 53}
